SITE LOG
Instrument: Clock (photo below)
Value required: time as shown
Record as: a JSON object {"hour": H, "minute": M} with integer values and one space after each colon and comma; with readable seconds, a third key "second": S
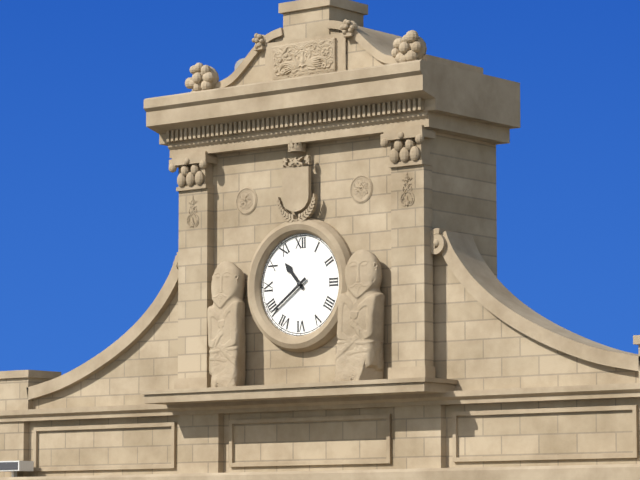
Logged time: {"hour": 10, "minute": 39}
